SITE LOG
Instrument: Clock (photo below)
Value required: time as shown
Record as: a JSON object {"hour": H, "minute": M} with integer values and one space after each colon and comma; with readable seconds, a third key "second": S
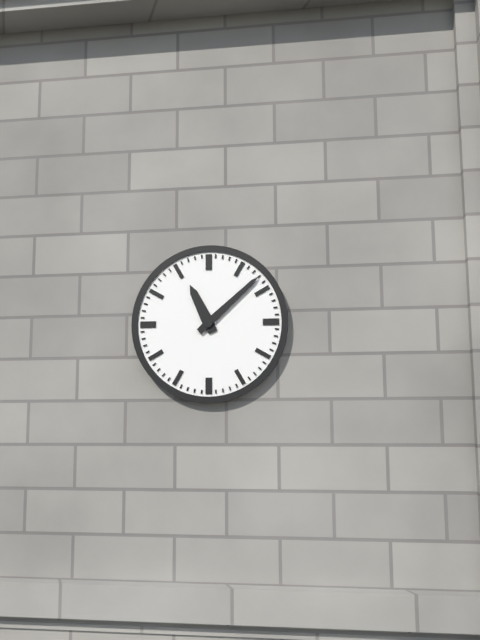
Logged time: {"hour": 11, "minute": 8}
